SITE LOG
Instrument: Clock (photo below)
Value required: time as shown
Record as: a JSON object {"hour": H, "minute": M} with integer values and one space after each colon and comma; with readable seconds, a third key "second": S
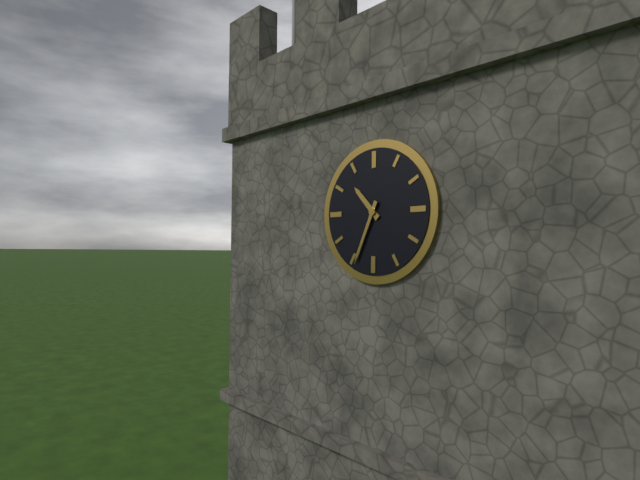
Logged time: {"hour": 10, "minute": 34}
